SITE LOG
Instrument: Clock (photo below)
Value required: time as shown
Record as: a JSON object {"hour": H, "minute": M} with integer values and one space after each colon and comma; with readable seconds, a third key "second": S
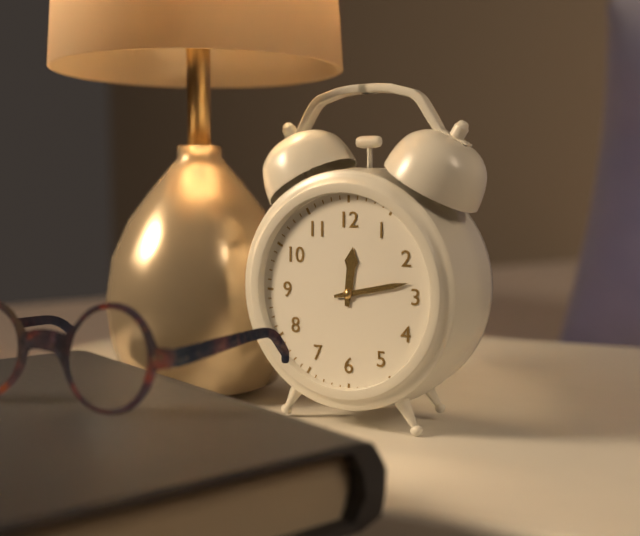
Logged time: {"hour": 12, "minute": 13}
